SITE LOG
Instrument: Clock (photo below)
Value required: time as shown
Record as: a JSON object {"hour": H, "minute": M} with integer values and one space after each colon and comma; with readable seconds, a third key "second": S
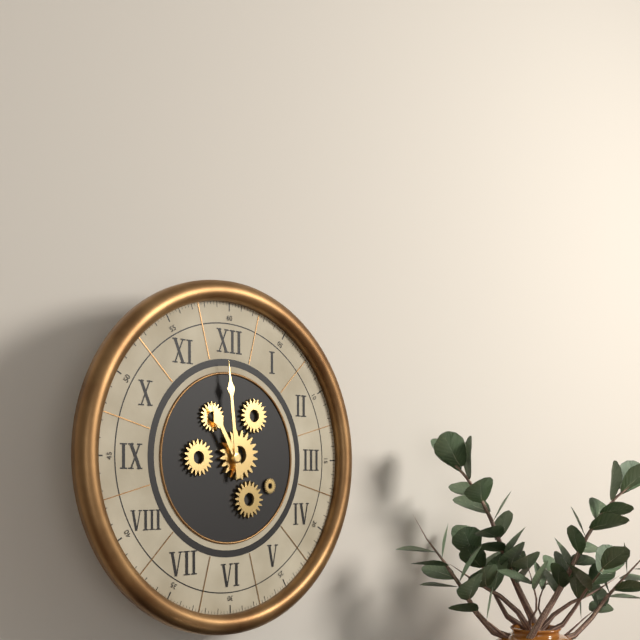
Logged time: {"hour": 10, "minute": 59}
